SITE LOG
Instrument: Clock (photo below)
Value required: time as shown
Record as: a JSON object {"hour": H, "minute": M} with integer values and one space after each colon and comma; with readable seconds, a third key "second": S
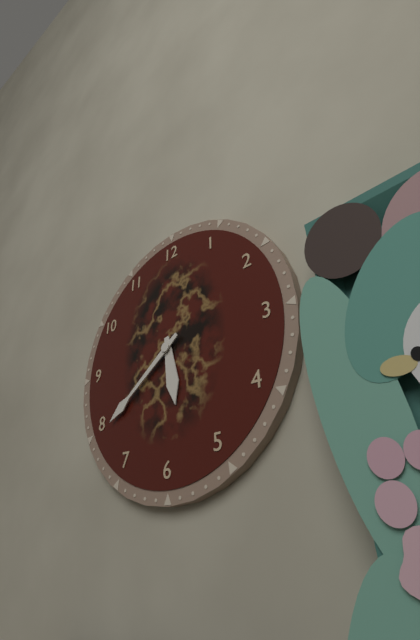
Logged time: {"hour": 5, "minute": 39}
